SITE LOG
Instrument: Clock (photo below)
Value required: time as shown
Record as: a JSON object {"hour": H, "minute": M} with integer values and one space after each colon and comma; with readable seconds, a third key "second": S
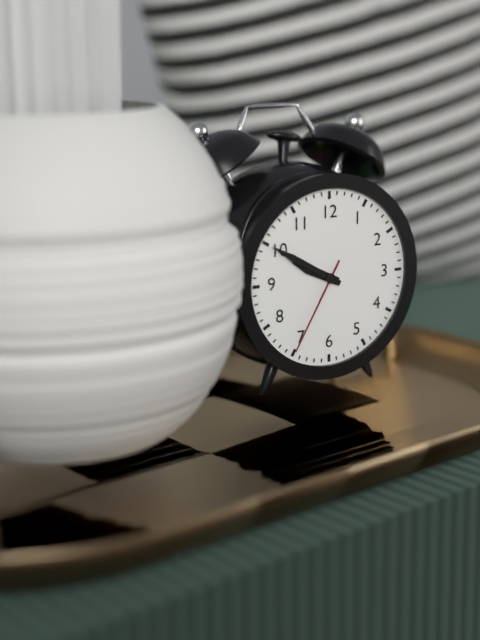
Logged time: {"hour": 9, "minute": 50, "second": 35}
